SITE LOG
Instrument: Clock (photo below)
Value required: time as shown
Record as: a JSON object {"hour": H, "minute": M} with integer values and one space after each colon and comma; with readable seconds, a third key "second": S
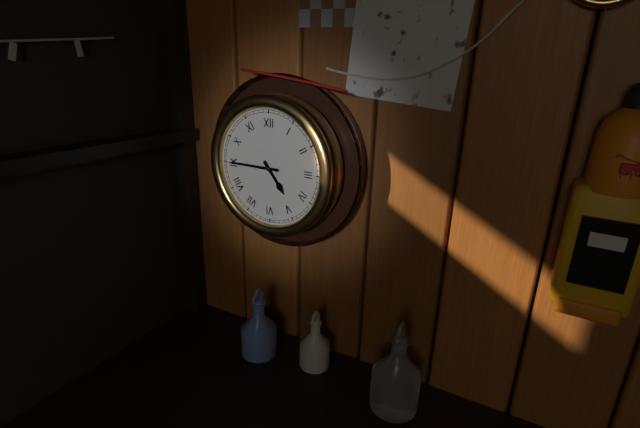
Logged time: {"hour": 4, "minute": 45}
